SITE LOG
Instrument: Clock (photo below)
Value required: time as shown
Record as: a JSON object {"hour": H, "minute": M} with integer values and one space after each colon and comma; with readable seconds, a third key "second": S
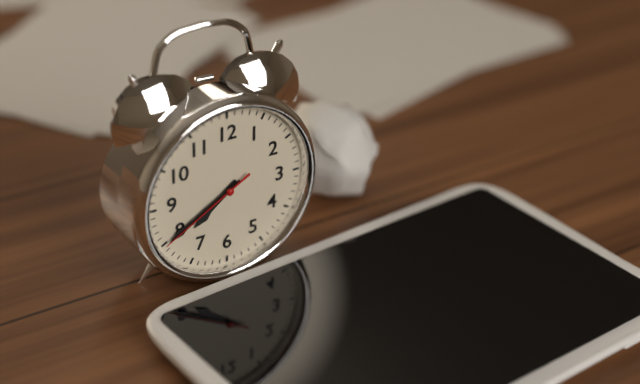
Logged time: {"hour": 7, "minute": 40, "second": 40}
